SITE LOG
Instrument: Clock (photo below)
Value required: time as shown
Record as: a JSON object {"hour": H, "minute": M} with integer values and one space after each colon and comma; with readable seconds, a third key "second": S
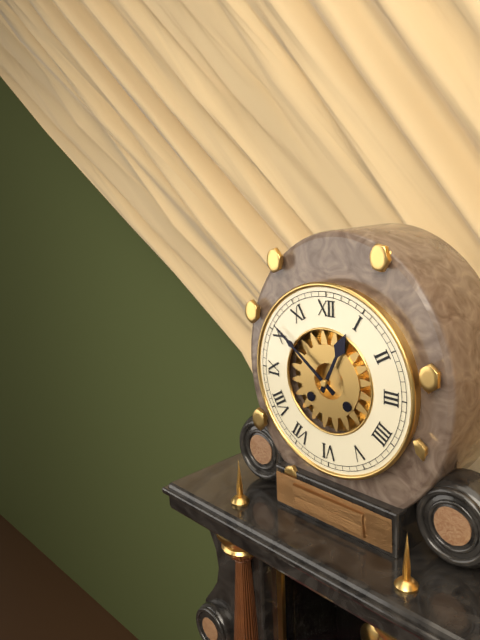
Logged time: {"hour": 12, "minute": 51}
